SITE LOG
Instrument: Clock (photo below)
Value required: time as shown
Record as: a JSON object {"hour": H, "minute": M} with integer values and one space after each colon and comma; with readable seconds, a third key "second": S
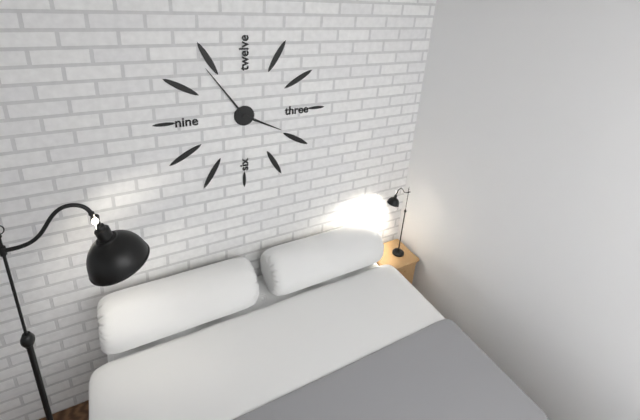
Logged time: {"hour": 3, "minute": 54}
